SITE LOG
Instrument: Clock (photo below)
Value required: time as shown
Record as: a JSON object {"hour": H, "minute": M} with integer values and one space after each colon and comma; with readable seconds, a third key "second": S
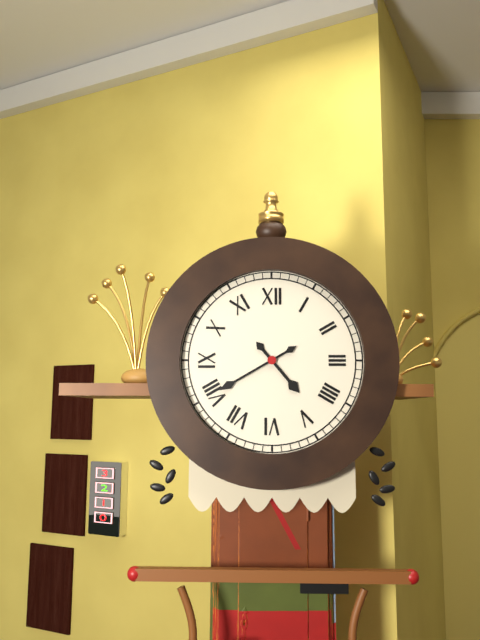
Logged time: {"hour": 4, "minute": 40}
